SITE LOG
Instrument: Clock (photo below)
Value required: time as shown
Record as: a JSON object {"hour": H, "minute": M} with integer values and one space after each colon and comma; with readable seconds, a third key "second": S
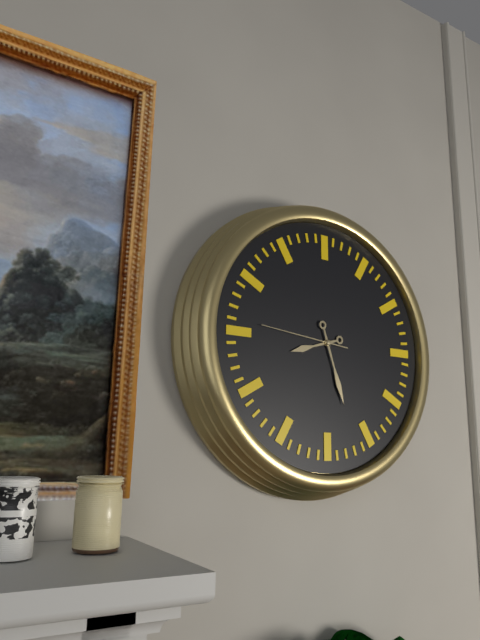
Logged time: {"hour": 8, "minute": 27, "second": 46}
